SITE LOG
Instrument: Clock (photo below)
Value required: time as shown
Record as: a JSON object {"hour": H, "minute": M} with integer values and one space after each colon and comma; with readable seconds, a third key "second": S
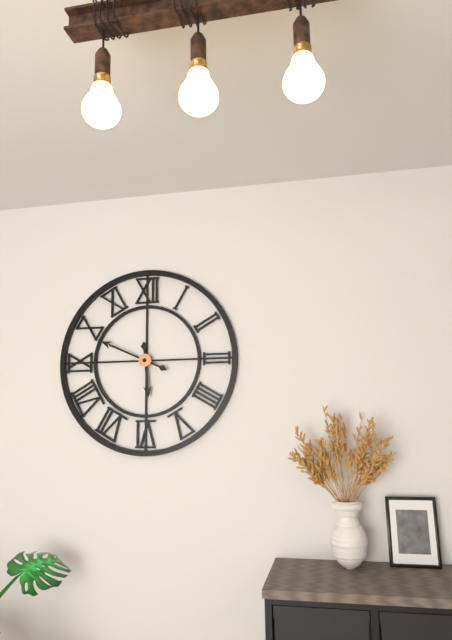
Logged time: {"hour": 5, "minute": 49}
